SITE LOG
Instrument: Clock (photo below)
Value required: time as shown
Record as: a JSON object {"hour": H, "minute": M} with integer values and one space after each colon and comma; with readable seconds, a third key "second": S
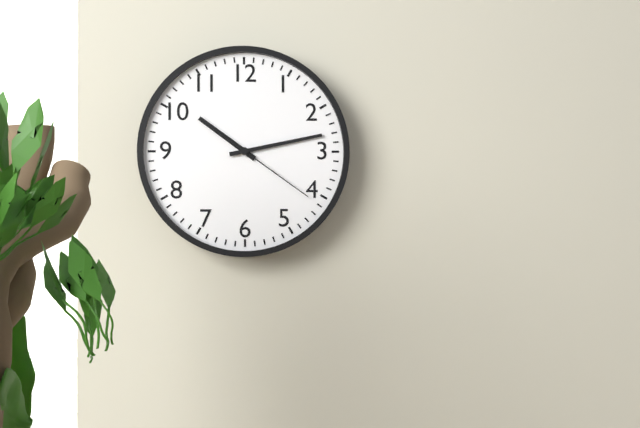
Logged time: {"hour": 10, "minute": 13, "second": 21}
